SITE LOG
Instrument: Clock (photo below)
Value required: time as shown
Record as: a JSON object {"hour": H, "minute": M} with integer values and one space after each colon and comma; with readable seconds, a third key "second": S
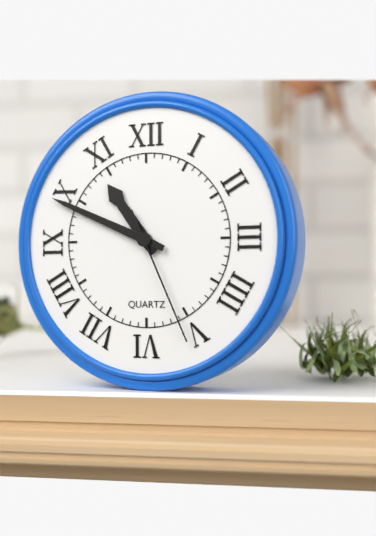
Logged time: {"hour": 10, "minute": 49, "second": 26}
